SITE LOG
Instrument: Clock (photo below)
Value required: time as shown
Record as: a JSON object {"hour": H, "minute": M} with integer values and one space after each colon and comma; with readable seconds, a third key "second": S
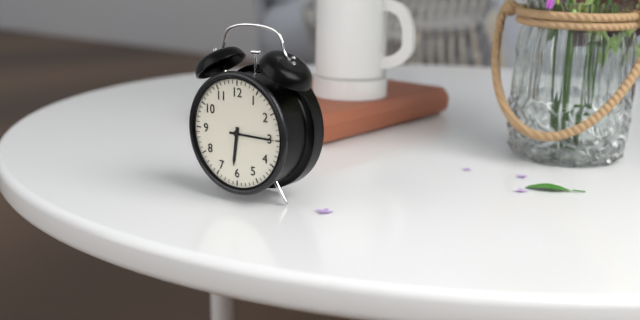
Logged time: {"hour": 6, "minute": 15}
